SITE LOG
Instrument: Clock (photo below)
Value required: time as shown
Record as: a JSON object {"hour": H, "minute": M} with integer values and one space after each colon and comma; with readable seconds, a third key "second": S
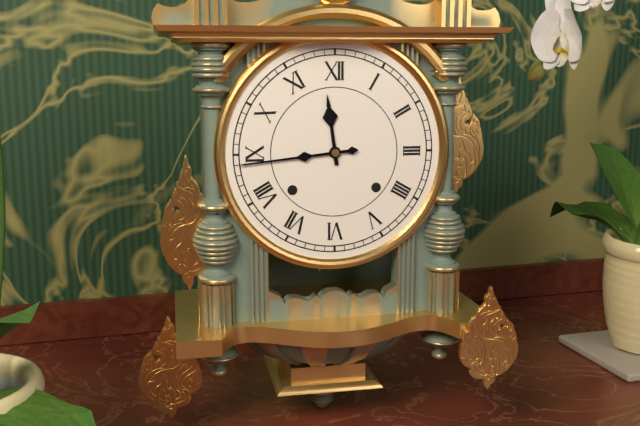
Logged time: {"hour": 11, "minute": 44}
